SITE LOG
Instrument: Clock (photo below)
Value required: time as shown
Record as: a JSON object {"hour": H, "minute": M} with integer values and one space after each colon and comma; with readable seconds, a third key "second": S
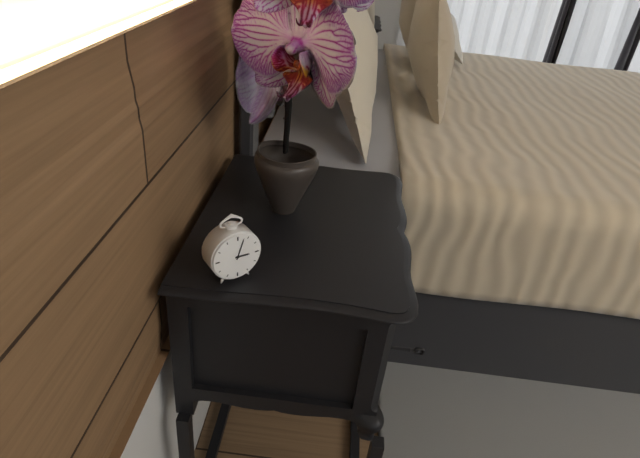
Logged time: {"hour": 3, "minute": 3}
